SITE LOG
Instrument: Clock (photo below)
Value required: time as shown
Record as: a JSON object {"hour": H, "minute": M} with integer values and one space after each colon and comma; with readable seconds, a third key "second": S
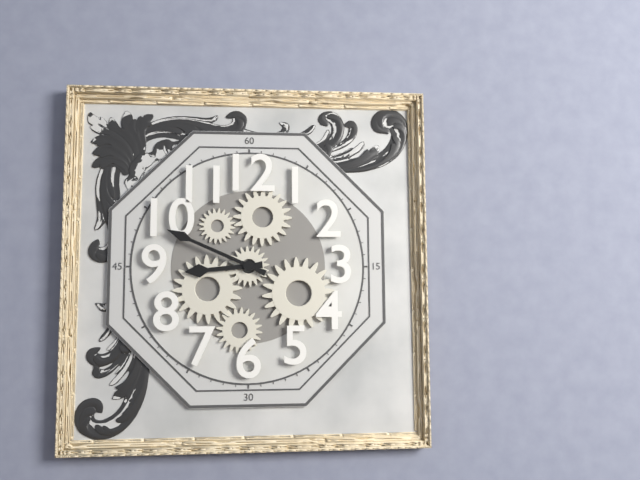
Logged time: {"hour": 8, "minute": 49}
